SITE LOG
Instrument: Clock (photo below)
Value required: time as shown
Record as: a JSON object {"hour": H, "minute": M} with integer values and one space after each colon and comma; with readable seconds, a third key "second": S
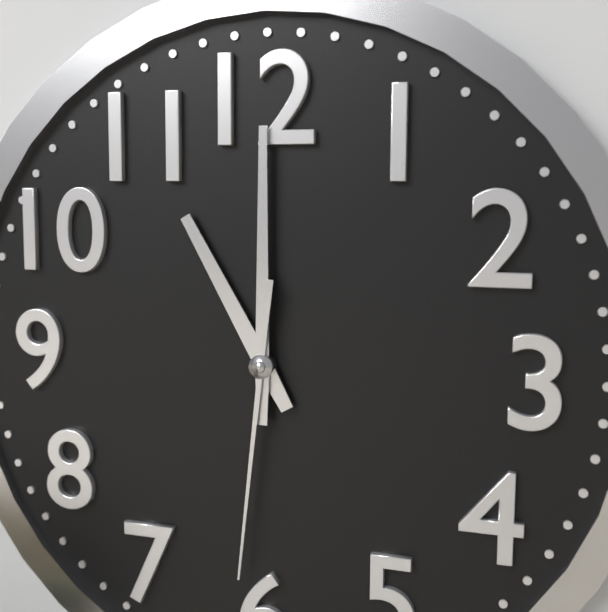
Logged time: {"hour": 11, "minute": 0, "second": 31}
